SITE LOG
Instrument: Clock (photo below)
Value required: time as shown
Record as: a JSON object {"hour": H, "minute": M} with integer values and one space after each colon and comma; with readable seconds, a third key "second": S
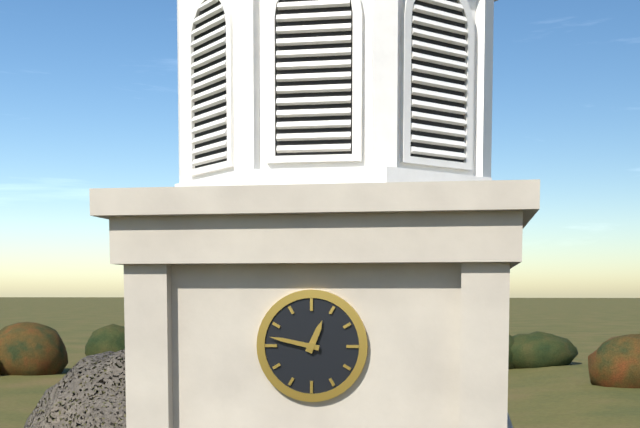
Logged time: {"hour": 12, "minute": 47}
